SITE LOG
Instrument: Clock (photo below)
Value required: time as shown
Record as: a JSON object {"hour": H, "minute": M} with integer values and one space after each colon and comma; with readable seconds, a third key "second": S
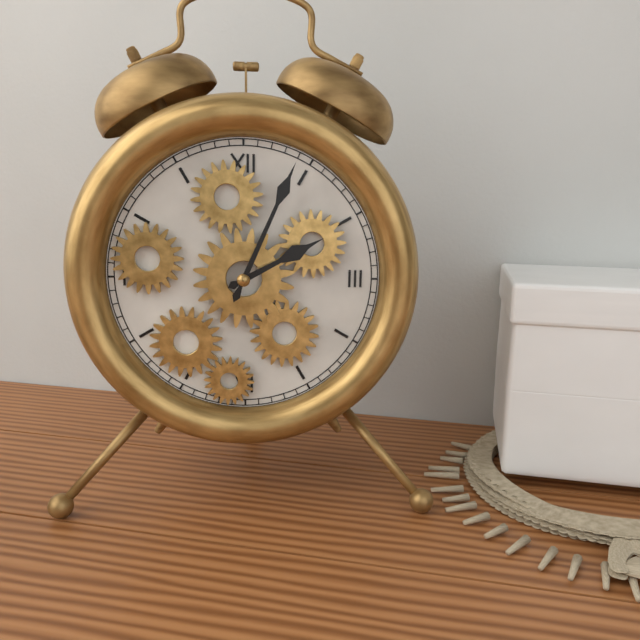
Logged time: {"hour": 2, "minute": 4}
